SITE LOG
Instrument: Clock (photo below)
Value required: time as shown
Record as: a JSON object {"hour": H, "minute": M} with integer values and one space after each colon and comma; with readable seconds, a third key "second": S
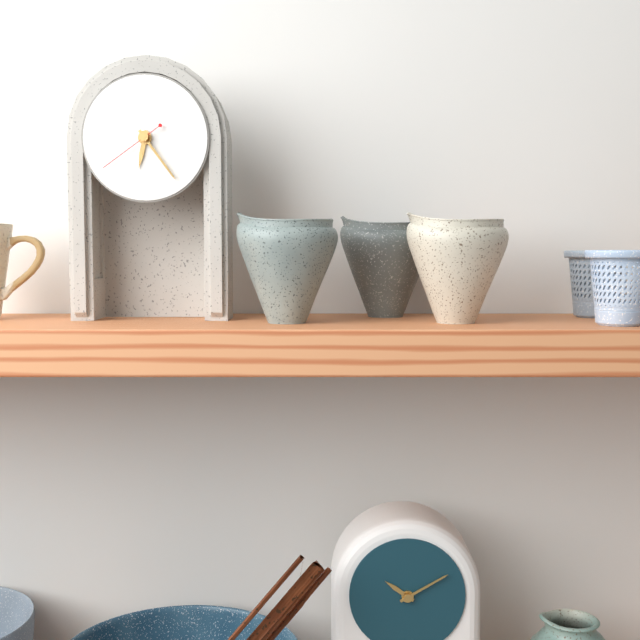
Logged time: {"hour": 6, "minute": 24, "second": 39}
